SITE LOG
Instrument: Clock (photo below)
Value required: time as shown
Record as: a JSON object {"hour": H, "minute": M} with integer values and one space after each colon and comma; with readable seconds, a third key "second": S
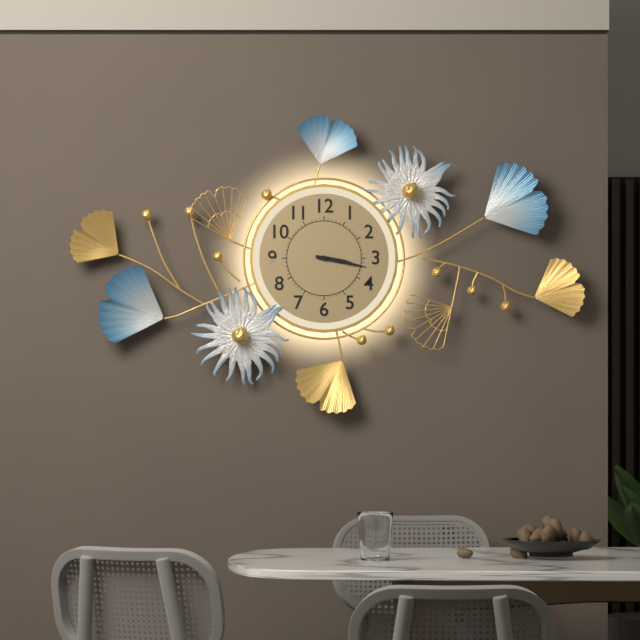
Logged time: {"hour": 3, "minute": 17}
